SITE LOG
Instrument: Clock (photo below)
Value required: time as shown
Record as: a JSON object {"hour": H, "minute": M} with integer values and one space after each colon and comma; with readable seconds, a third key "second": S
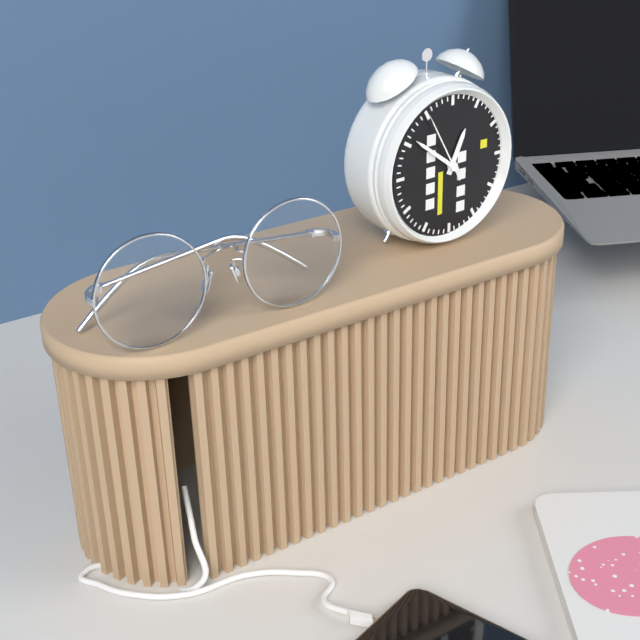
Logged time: {"hour": 12, "minute": 51, "second": 55}
